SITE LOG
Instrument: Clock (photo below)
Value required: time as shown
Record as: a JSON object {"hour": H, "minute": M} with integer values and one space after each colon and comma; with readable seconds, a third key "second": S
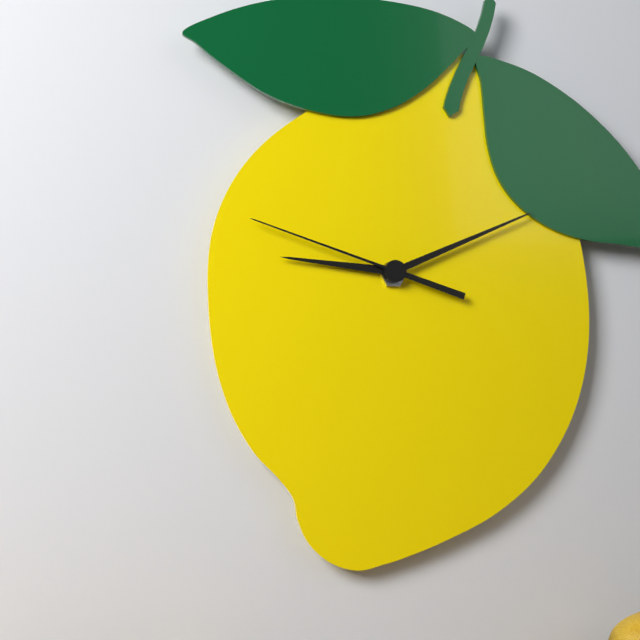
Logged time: {"hour": 9, "minute": 11, "second": 48}
